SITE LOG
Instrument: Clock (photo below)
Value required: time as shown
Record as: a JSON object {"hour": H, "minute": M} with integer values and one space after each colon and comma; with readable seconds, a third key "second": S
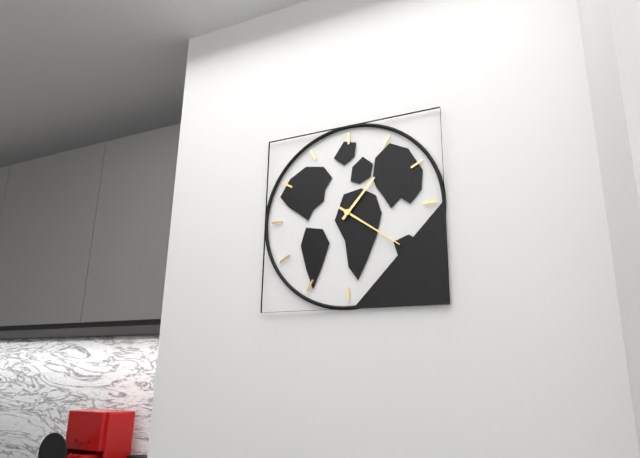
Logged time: {"hour": 1, "minute": 21}
